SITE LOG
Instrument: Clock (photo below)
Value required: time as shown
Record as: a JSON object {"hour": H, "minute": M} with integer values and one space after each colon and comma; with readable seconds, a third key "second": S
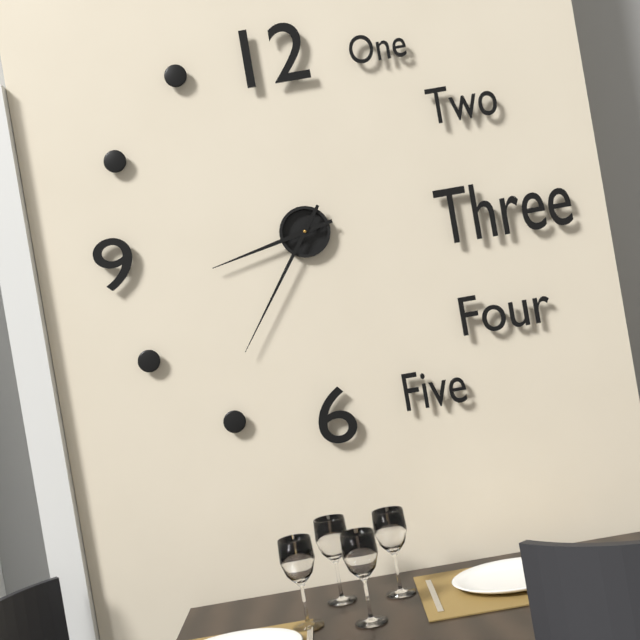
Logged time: {"hour": 8, "minute": 36}
